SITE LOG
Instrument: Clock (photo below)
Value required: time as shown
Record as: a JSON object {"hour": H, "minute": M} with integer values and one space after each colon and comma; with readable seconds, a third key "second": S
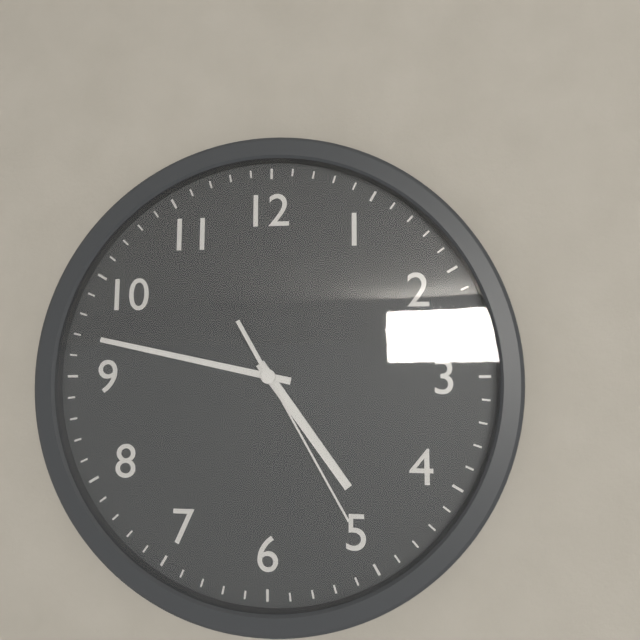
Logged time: {"hour": 4, "minute": 47, "second": 25}
